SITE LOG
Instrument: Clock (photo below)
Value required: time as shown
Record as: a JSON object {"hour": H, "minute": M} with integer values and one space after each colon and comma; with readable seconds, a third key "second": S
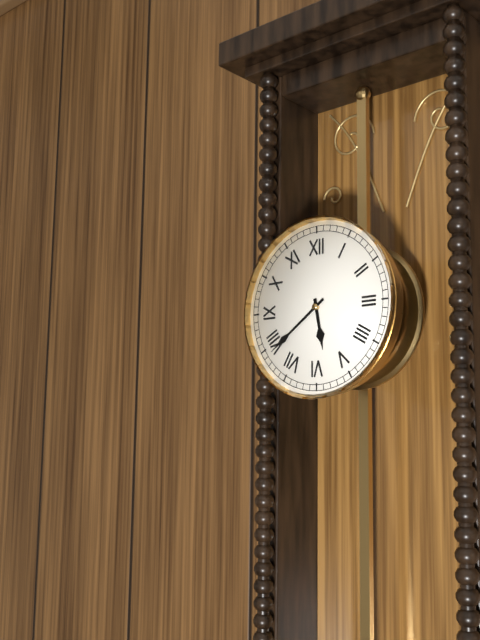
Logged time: {"hour": 5, "minute": 39}
